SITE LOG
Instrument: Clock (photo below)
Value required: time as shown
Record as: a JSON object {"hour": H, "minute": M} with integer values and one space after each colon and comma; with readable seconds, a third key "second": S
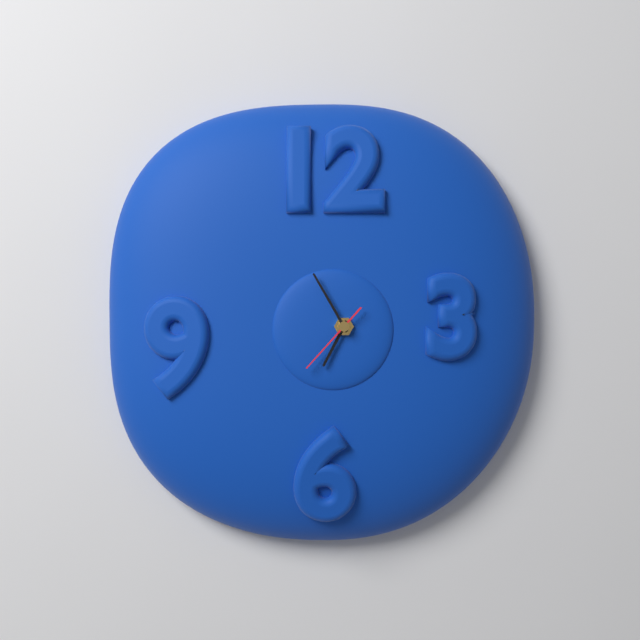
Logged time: {"hour": 6, "minute": 55, "second": 37}
